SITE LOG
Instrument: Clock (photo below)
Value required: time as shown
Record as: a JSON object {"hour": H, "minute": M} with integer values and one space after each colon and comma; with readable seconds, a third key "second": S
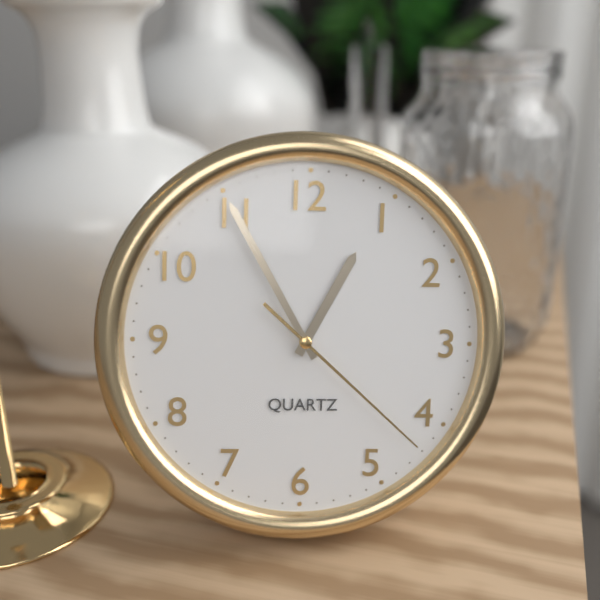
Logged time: {"hour": 12, "minute": 55, "second": 22}
